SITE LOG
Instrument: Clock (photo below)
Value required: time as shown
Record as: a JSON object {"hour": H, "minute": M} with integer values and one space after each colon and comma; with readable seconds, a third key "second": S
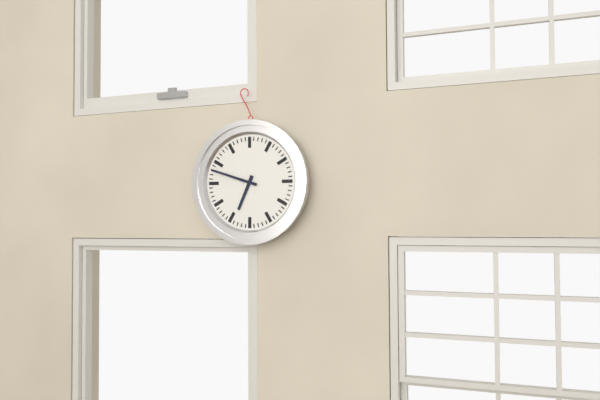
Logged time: {"hour": 6, "minute": 48}
